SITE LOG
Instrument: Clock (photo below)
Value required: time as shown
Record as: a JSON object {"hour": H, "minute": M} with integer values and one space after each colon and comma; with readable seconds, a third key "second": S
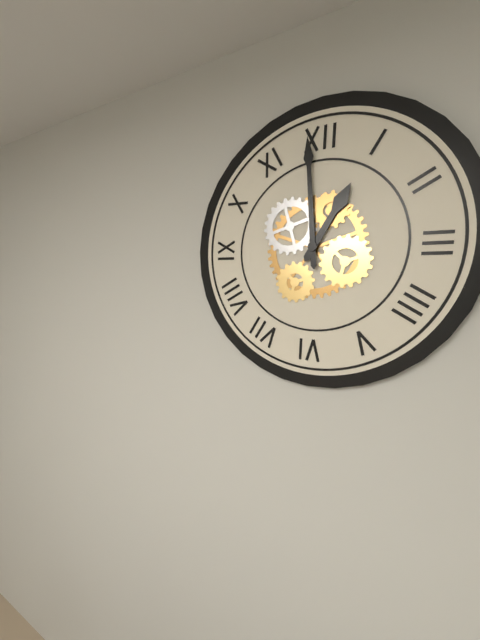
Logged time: {"hour": 12, "minute": 59}
